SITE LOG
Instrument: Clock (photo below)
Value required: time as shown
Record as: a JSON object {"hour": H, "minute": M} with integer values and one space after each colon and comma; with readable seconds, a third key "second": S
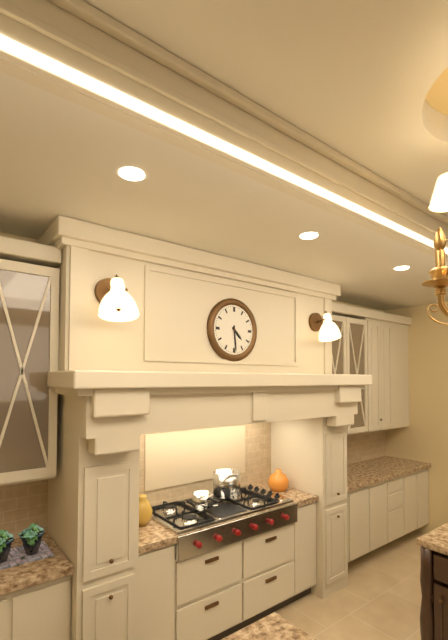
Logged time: {"hour": 4, "minute": 29}
